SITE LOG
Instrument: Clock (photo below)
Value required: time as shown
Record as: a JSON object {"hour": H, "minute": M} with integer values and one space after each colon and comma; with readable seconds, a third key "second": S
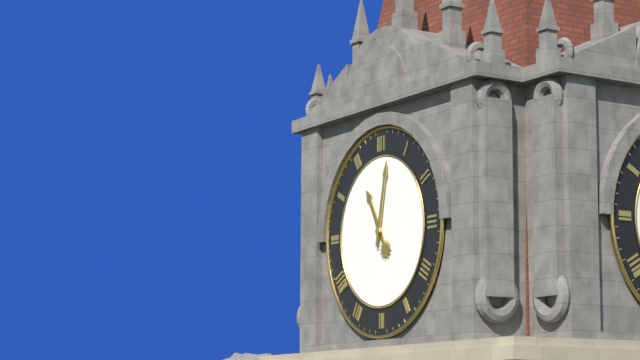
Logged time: {"hour": 11, "minute": 2}
